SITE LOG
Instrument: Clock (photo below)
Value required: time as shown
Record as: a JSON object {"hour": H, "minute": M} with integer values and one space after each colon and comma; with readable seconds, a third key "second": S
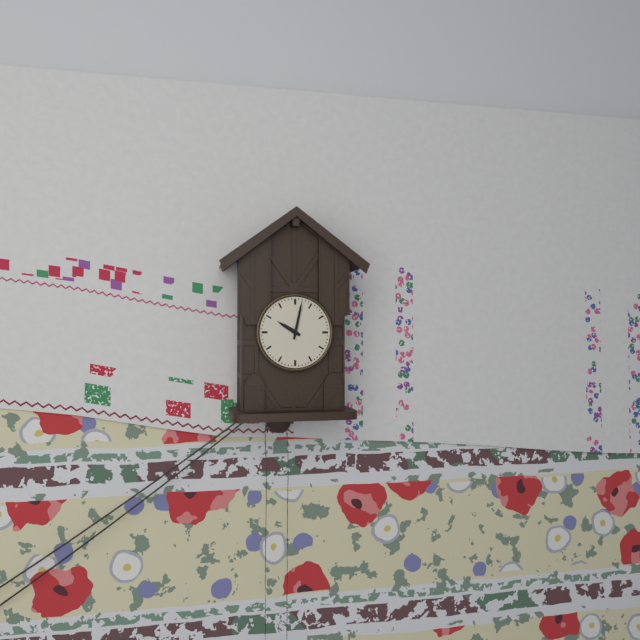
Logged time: {"hour": 10, "minute": 2}
